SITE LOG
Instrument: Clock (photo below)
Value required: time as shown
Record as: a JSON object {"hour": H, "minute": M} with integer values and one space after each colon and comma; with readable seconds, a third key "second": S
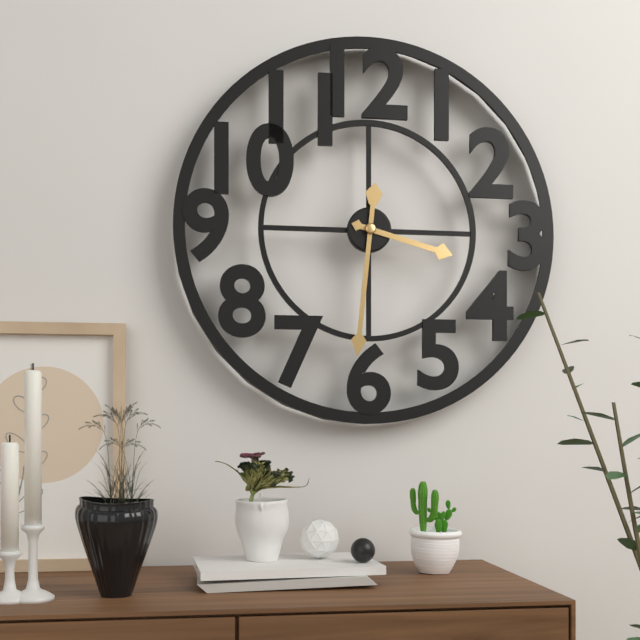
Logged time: {"hour": 3, "minute": 31}
